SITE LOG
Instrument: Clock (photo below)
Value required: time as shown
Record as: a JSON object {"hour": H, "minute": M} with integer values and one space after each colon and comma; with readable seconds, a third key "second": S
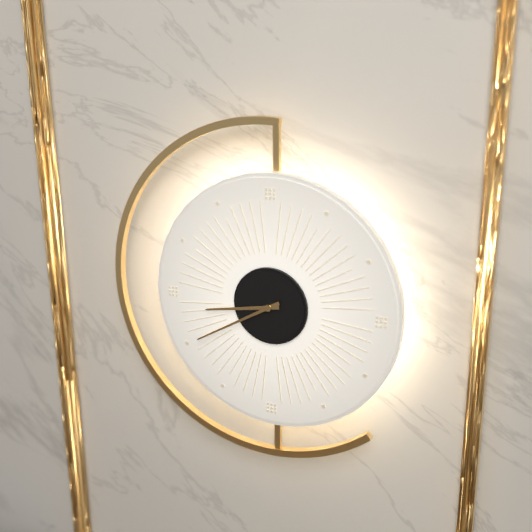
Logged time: {"hour": 8, "minute": 40}
